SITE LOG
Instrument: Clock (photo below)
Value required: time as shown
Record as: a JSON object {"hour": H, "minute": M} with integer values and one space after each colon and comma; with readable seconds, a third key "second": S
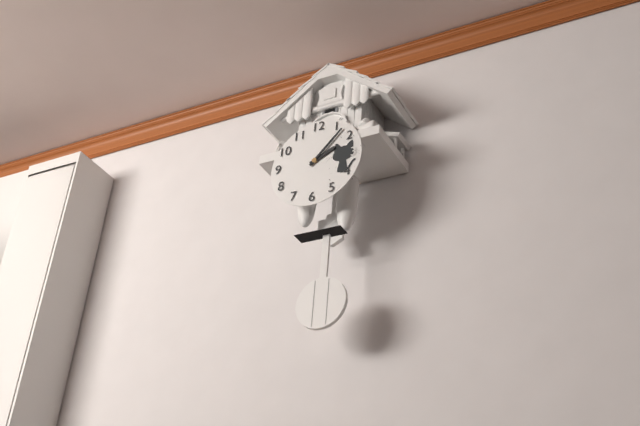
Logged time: {"hour": 2, "minute": 7}
